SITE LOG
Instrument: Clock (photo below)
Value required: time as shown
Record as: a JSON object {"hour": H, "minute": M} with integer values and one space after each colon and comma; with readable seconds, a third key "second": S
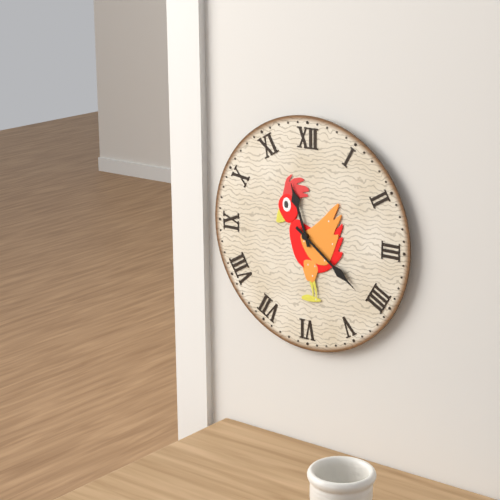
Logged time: {"hour": 11, "minute": 21}
